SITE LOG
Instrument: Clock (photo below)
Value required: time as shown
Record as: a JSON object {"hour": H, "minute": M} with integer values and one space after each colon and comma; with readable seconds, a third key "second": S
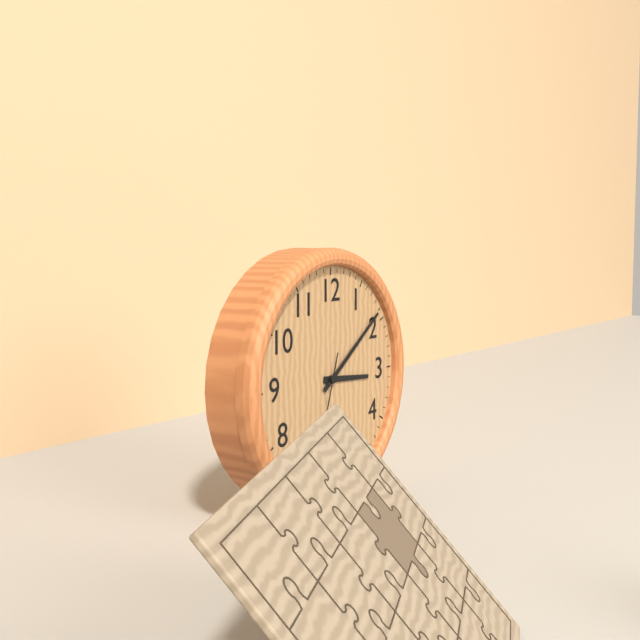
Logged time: {"hour": 3, "minute": 9}
